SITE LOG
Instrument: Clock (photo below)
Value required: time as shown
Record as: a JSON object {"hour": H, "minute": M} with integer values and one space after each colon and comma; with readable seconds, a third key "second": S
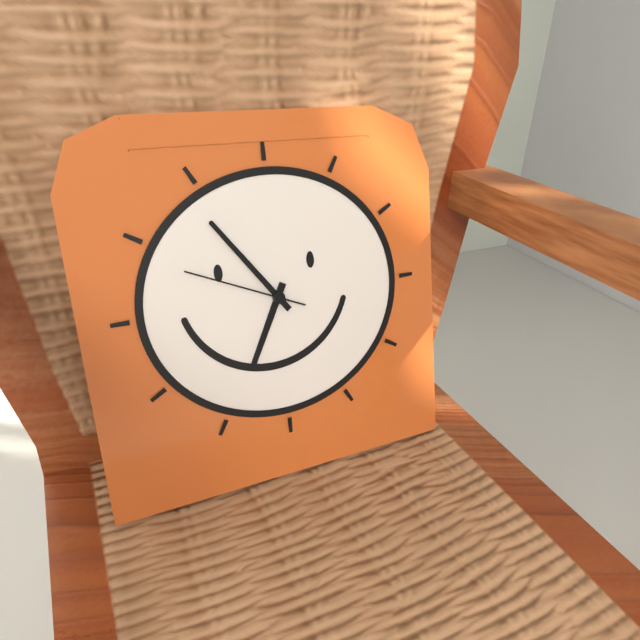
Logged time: {"hour": 6, "minute": 54, "second": 49}
